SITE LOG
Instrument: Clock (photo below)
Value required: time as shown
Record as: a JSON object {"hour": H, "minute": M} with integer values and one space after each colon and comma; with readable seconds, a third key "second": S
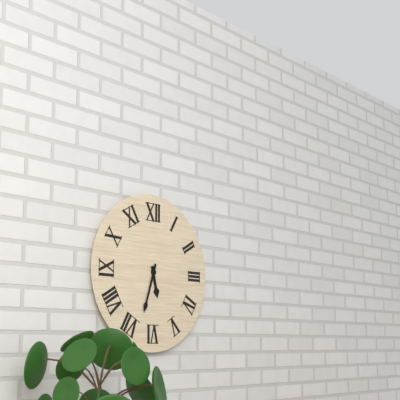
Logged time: {"hour": 5, "minute": 33}
